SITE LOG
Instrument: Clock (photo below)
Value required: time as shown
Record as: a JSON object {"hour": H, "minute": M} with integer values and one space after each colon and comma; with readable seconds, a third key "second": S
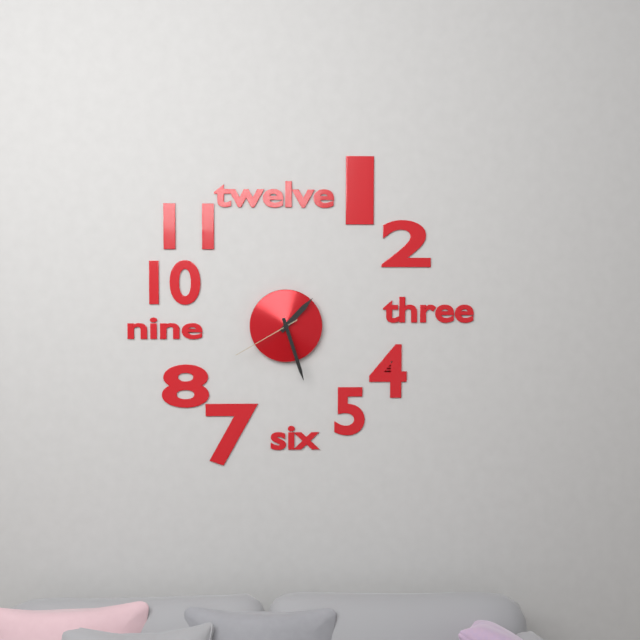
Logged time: {"hour": 1, "minute": 27, "second": 40}
